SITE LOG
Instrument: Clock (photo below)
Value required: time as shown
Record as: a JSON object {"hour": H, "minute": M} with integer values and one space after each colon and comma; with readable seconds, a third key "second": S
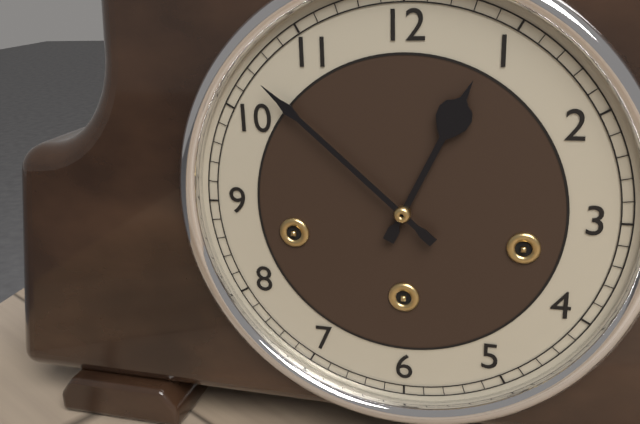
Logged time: {"hour": 12, "minute": 52}
